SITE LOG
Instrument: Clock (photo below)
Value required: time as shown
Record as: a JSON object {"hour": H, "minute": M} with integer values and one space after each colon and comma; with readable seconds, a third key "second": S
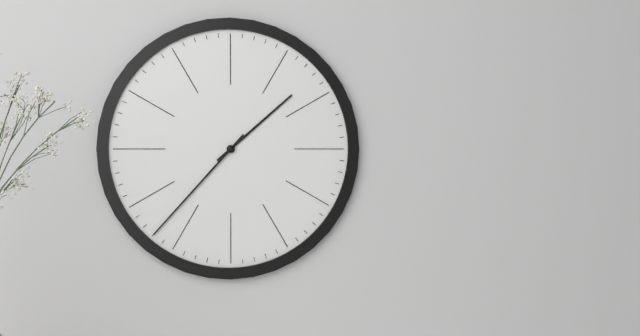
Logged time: {"hour": 1, "minute": 37}
